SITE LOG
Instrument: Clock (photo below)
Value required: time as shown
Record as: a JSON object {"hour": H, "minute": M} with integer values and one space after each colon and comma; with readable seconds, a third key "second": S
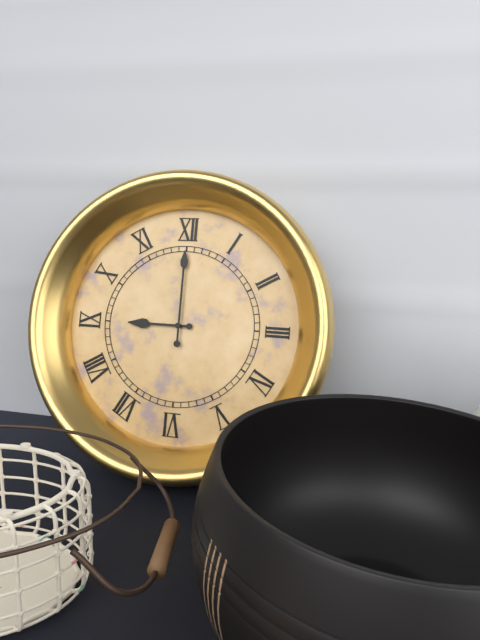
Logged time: {"hour": 9, "minute": 0}
